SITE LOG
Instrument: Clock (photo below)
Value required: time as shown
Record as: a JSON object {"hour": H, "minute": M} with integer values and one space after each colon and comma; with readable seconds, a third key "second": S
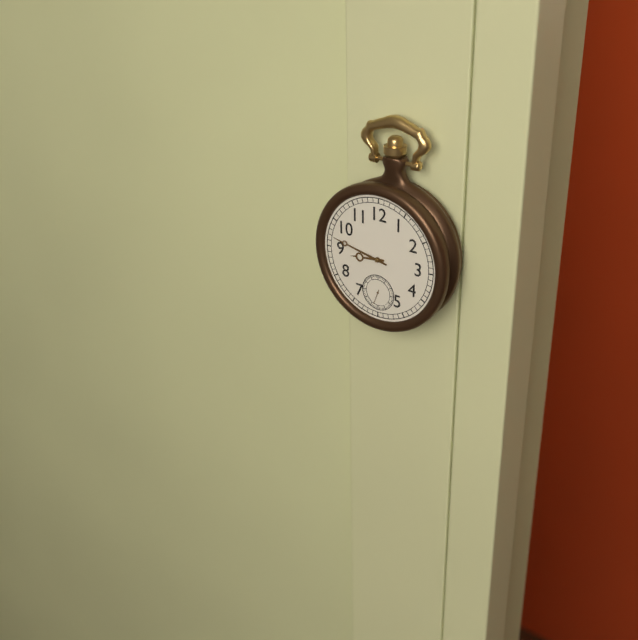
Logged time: {"hour": 8, "minute": 47}
